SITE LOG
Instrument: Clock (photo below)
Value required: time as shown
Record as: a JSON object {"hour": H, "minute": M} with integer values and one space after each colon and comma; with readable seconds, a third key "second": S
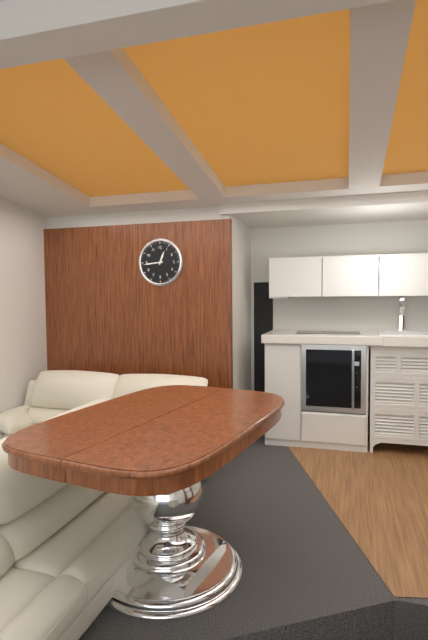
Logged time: {"hour": 12, "minute": 44}
